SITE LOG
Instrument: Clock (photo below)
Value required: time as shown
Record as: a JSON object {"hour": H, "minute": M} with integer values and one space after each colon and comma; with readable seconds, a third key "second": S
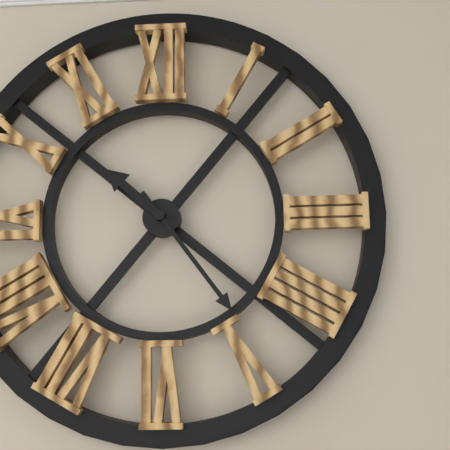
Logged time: {"hour": 10, "minute": 24}
